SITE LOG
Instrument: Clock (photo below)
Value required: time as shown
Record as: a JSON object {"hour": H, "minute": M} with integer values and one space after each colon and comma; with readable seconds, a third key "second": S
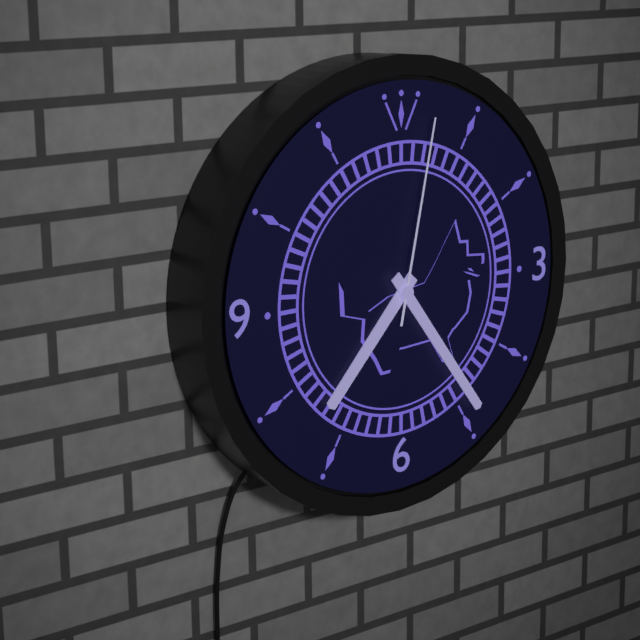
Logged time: {"hour": 7, "minute": 24, "second": 2}
